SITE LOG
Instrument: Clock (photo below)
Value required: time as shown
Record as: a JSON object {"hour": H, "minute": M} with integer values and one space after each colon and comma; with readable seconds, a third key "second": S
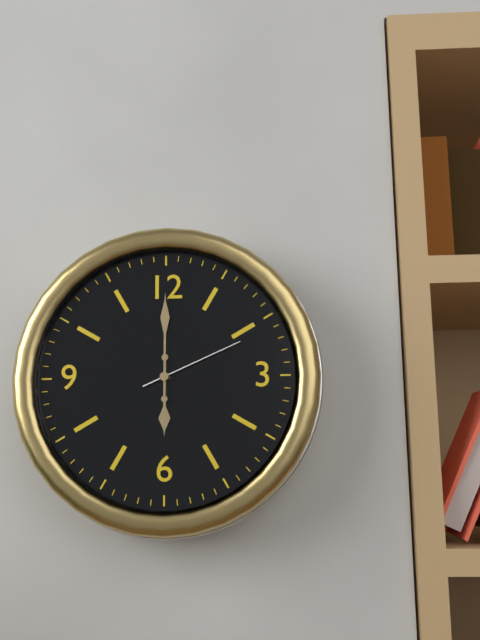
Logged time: {"hour": 6, "minute": 0, "second": 11}
